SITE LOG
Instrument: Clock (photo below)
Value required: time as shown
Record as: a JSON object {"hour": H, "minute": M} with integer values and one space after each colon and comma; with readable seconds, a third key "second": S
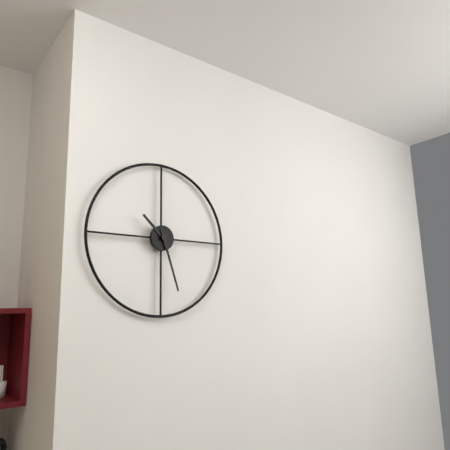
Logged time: {"hour": 10, "minute": 27}
